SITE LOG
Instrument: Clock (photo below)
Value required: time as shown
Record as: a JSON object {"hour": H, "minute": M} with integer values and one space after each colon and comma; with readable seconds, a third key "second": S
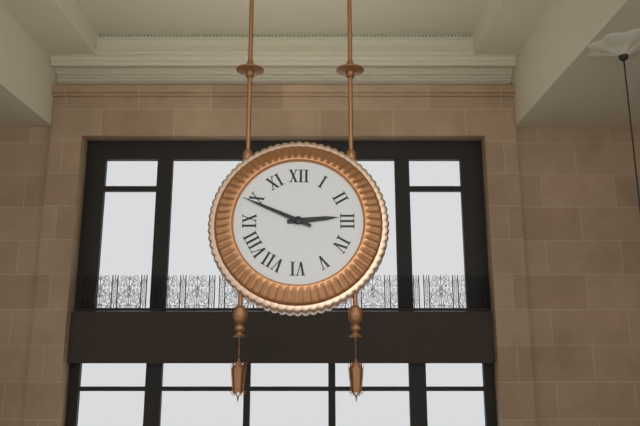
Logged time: {"hour": 2, "minute": 49}
